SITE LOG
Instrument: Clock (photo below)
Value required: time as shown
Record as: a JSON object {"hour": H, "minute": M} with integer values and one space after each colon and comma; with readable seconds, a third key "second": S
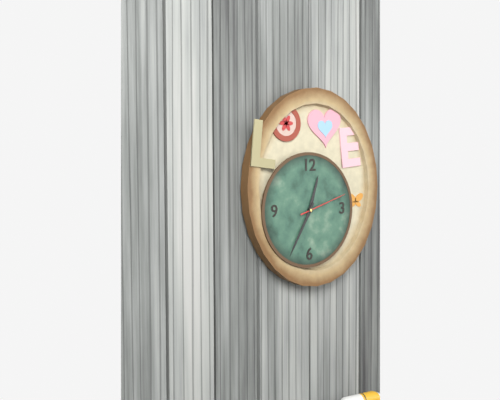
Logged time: {"hour": 12, "minute": 35, "second": 12}
